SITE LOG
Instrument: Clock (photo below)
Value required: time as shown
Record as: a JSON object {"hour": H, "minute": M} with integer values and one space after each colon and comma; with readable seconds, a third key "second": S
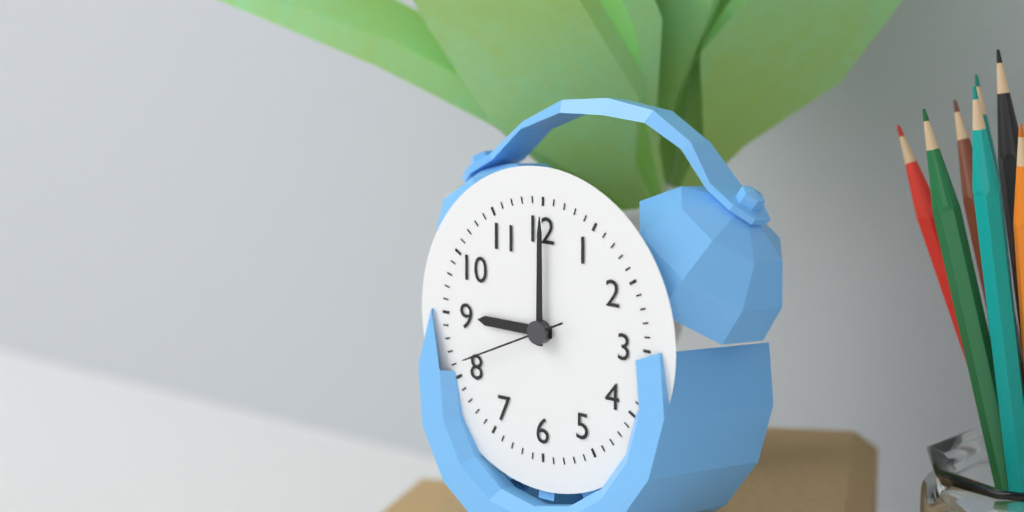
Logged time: {"hour": 9, "minute": 0, "second": 41}
